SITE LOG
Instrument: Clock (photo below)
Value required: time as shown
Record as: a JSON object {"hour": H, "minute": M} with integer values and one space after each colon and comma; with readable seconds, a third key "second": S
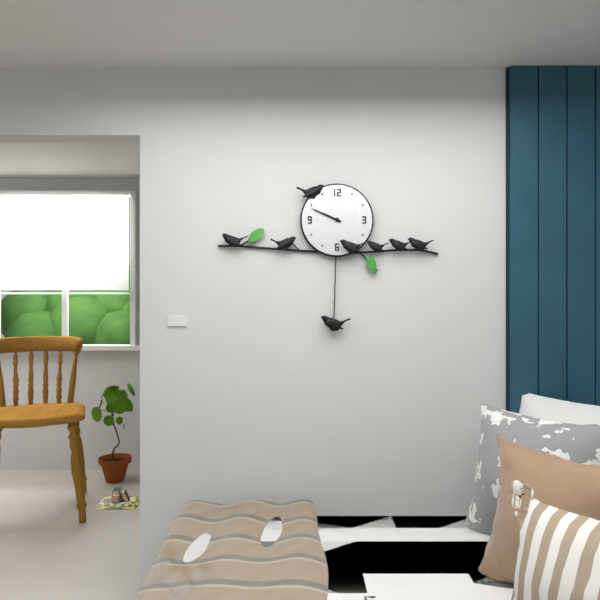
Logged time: {"hour": 9, "minute": 49}
